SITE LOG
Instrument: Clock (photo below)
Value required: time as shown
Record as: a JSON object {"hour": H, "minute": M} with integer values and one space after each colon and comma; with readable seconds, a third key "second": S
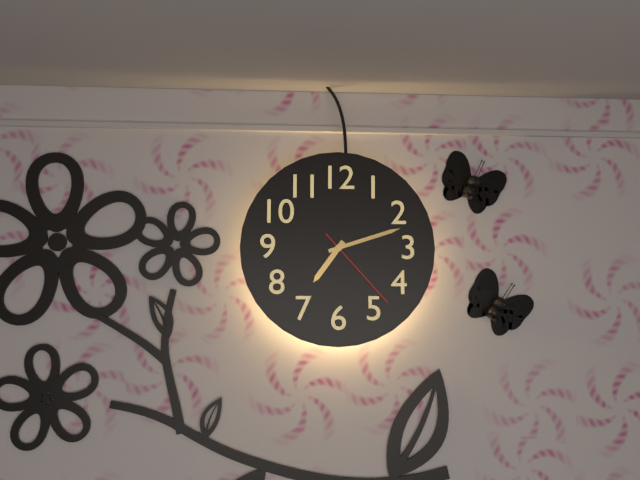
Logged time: {"hour": 7, "minute": 12, "second": 23}
